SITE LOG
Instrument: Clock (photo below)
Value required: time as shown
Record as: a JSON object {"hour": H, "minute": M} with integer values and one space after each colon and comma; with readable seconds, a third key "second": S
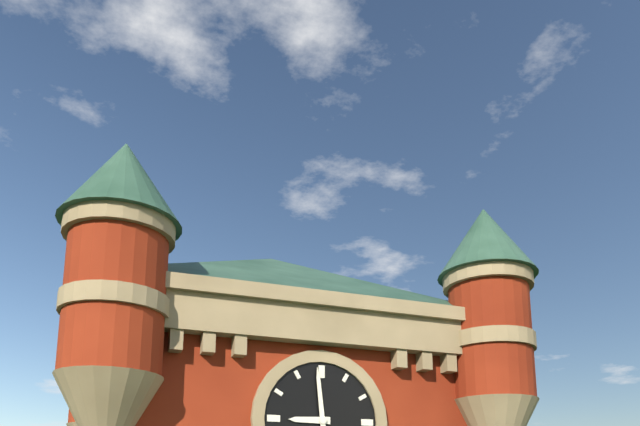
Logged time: {"hour": 8, "minute": 59}
